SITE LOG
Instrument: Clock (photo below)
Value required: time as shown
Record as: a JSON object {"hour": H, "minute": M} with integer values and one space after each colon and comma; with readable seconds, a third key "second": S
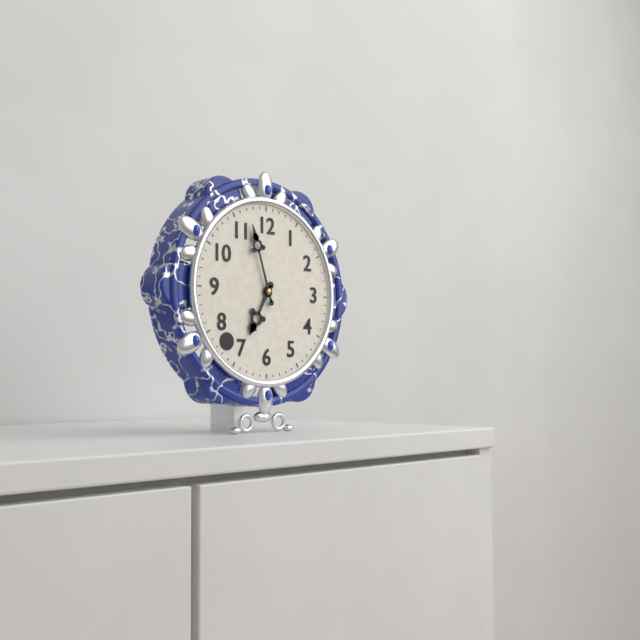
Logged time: {"hour": 6, "minute": 57}
